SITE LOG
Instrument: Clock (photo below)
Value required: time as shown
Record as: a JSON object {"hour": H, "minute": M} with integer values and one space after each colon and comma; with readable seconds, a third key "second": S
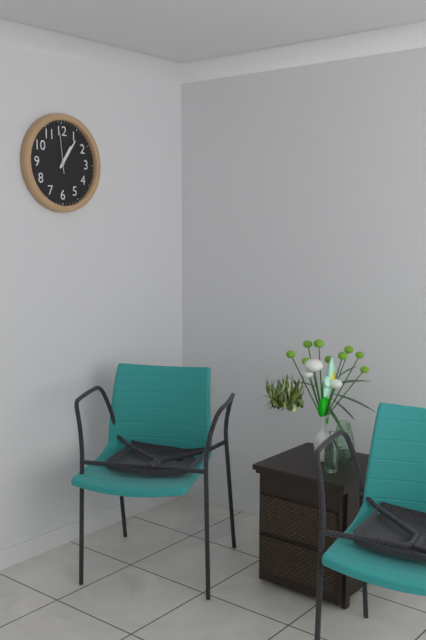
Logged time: {"hour": 1, "minute": 6}
